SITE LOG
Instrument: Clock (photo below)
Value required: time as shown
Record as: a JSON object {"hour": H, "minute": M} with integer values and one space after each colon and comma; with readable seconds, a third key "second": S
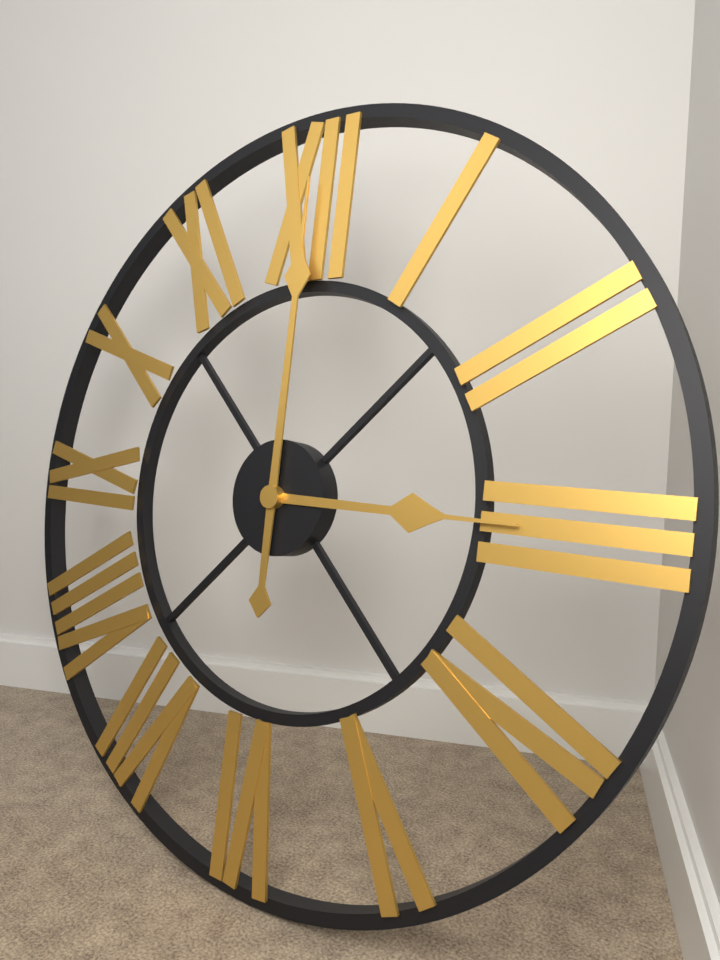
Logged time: {"hour": 3, "minute": 0}
